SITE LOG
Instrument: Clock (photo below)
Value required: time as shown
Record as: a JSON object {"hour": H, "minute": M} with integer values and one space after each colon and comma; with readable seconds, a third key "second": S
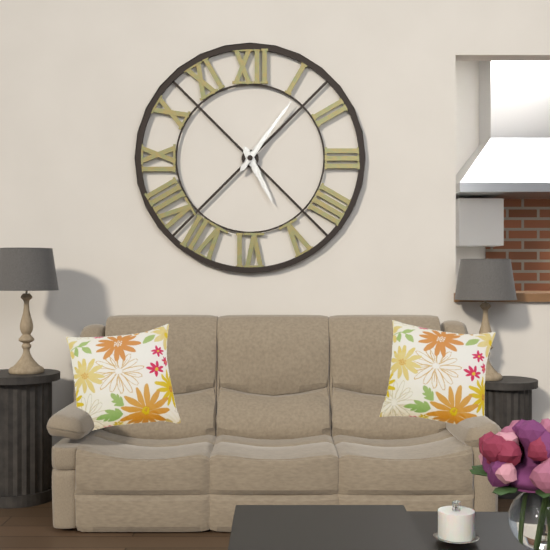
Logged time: {"hour": 5, "minute": 6}
